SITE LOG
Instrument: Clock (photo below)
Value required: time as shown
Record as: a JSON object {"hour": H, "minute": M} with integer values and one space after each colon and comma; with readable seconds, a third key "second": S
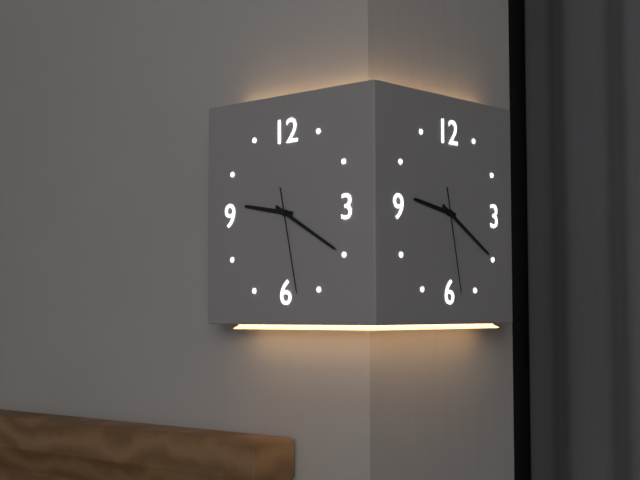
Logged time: {"hour": 9, "minute": 20, "second": 28}
